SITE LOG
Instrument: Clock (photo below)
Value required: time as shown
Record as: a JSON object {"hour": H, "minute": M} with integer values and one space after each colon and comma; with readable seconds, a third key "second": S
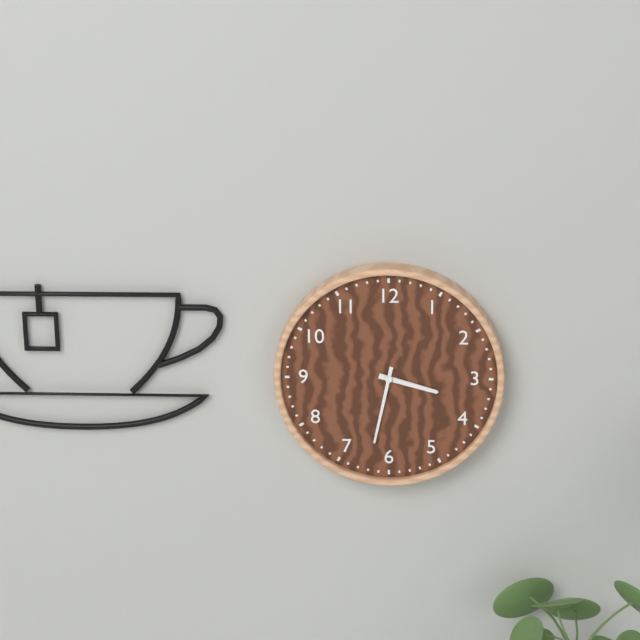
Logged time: {"hour": 3, "minute": 32}
